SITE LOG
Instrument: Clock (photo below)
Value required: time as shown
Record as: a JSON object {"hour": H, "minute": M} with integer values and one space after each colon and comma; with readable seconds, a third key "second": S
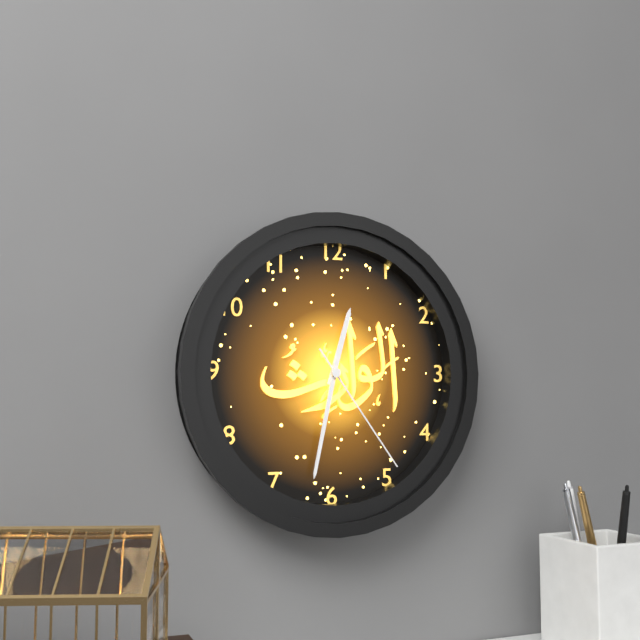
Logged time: {"hour": 12, "minute": 32, "second": 24}
